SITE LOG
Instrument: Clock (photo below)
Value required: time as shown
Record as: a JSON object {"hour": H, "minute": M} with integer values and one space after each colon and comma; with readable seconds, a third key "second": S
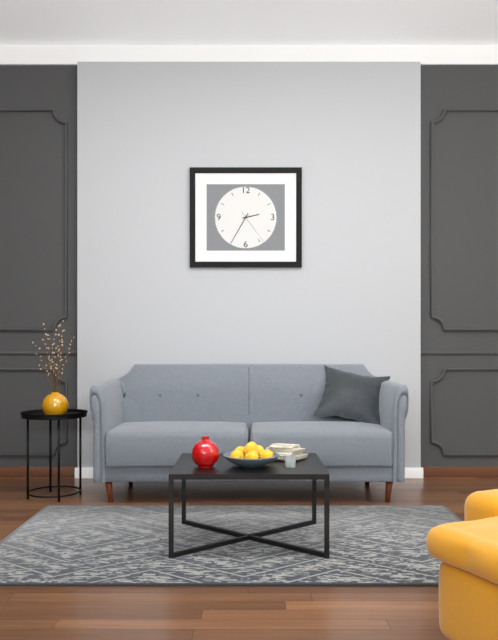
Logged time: {"hour": 2, "minute": 35}
